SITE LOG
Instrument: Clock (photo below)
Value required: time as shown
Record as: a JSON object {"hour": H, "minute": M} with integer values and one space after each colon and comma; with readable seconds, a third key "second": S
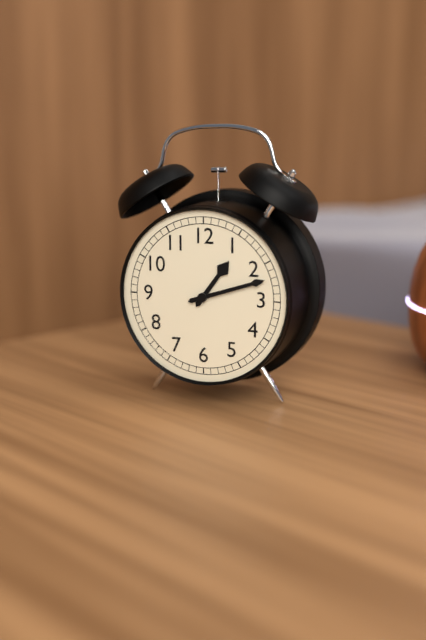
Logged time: {"hour": 1, "minute": 12}
